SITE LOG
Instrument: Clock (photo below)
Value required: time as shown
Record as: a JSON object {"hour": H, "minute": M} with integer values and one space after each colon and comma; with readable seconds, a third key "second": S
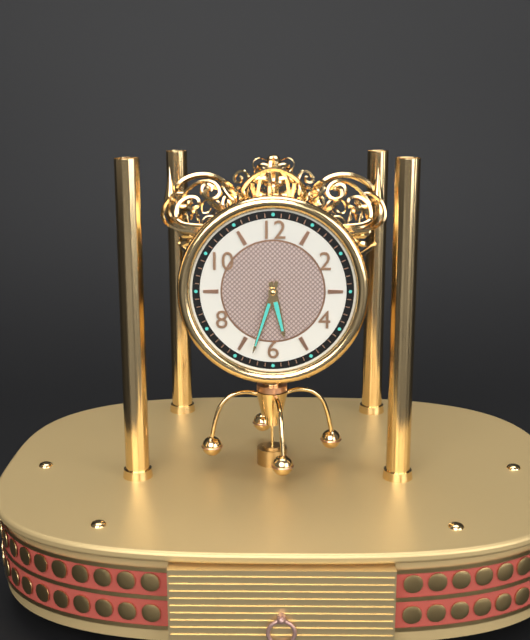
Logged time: {"hour": 5, "minute": 33}
